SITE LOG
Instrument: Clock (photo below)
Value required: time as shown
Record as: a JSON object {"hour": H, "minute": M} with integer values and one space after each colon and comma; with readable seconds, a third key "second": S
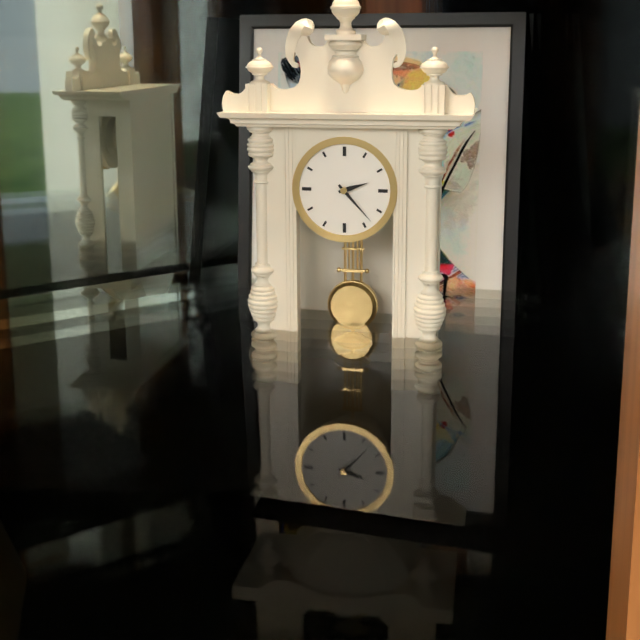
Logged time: {"hour": 2, "minute": 23}
